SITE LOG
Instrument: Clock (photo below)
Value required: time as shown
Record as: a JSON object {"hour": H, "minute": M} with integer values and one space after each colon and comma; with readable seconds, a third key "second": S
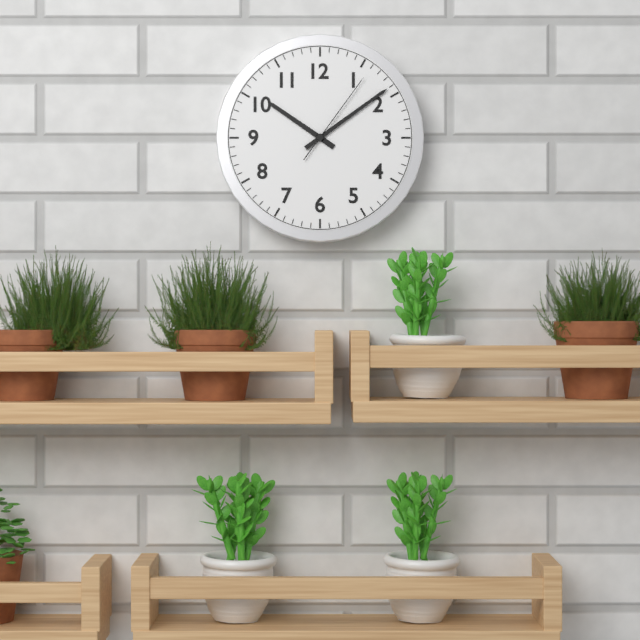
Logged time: {"hour": 10, "minute": 9, "second": 6}
